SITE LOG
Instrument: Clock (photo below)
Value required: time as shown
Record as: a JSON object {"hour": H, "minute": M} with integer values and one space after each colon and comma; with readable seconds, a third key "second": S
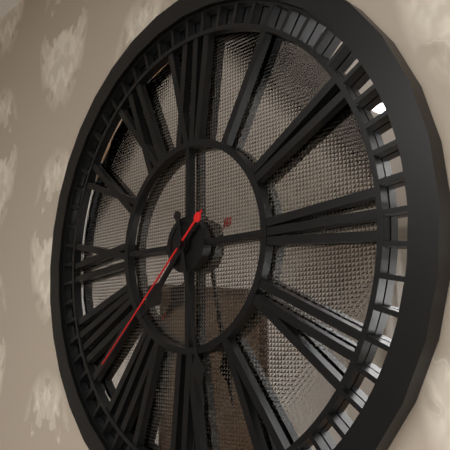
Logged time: {"hour": 7, "minute": 28, "second": 38}
